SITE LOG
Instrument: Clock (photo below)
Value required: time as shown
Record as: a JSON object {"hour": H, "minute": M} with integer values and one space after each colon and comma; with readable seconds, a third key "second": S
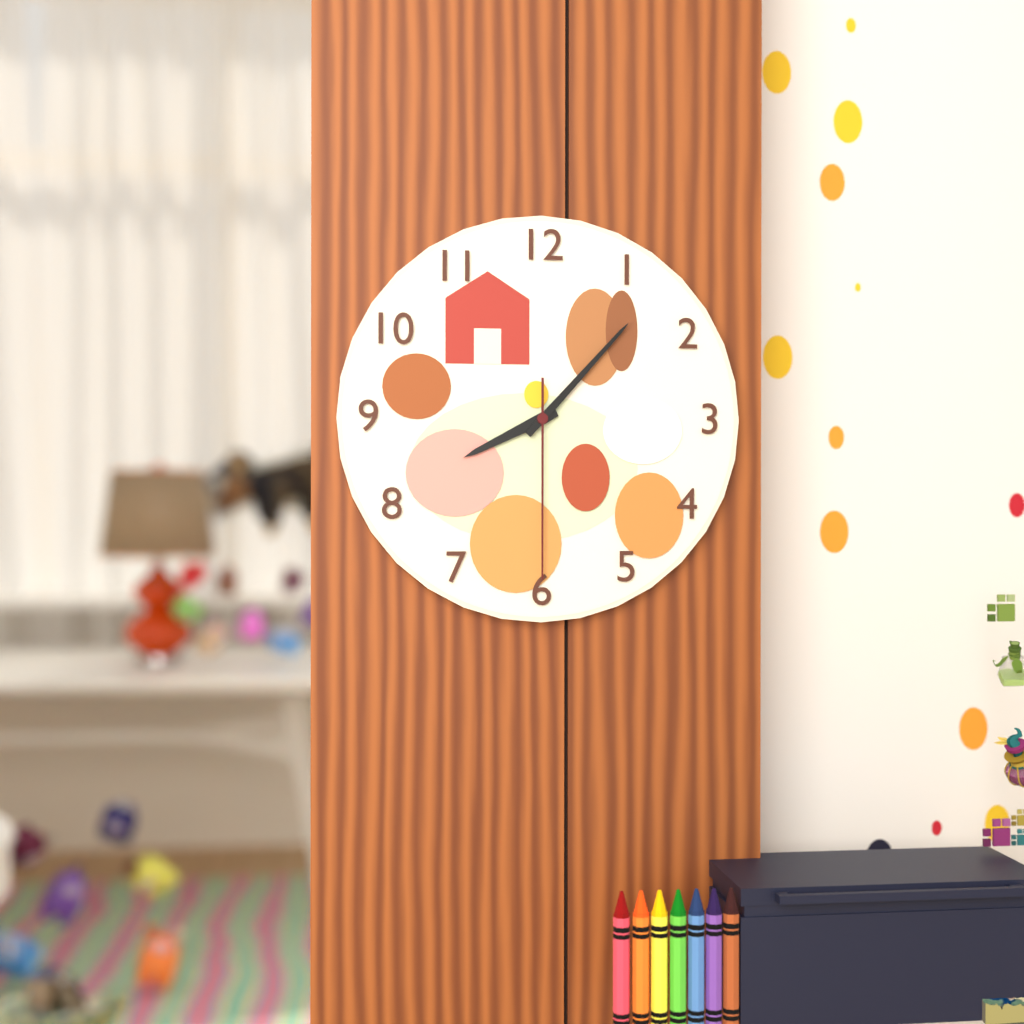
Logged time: {"hour": 8, "minute": 7, "second": 30}
